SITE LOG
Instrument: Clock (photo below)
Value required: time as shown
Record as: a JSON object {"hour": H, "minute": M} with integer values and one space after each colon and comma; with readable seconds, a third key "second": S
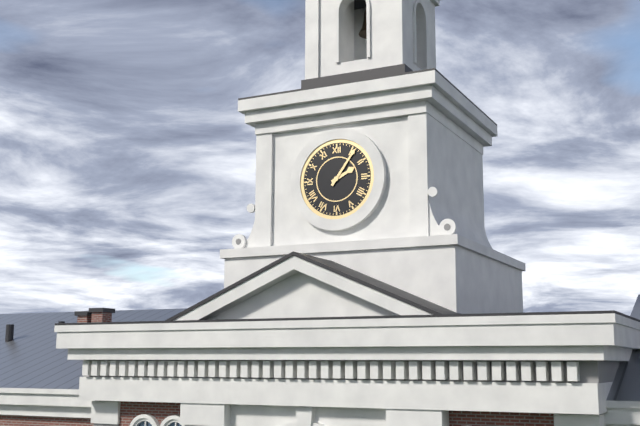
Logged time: {"hour": 2, "minute": 6}
